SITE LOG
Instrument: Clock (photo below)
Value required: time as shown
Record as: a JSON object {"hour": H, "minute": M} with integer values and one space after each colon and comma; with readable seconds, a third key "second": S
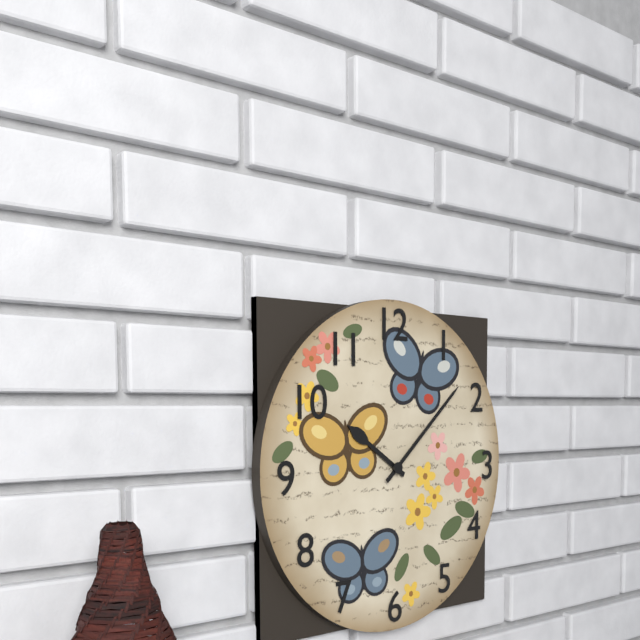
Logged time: {"hour": 10, "minute": 8}
